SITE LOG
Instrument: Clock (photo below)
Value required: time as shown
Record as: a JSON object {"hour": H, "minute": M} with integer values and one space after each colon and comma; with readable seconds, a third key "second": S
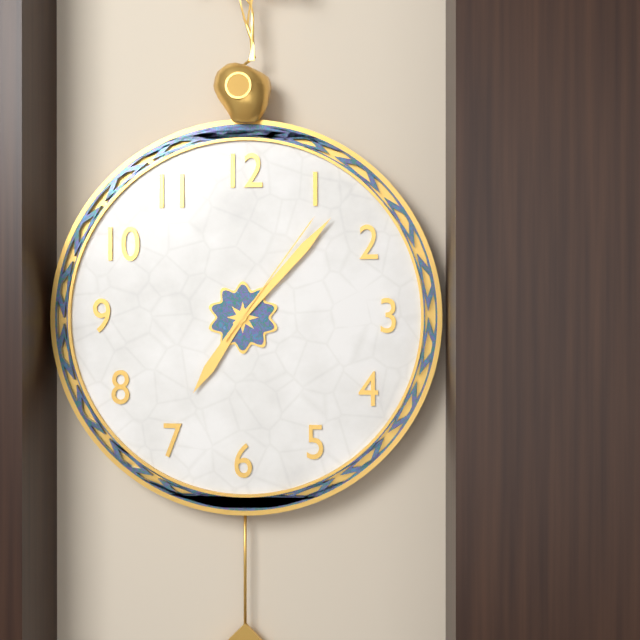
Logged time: {"hour": 7, "minute": 7, "second": 6}
